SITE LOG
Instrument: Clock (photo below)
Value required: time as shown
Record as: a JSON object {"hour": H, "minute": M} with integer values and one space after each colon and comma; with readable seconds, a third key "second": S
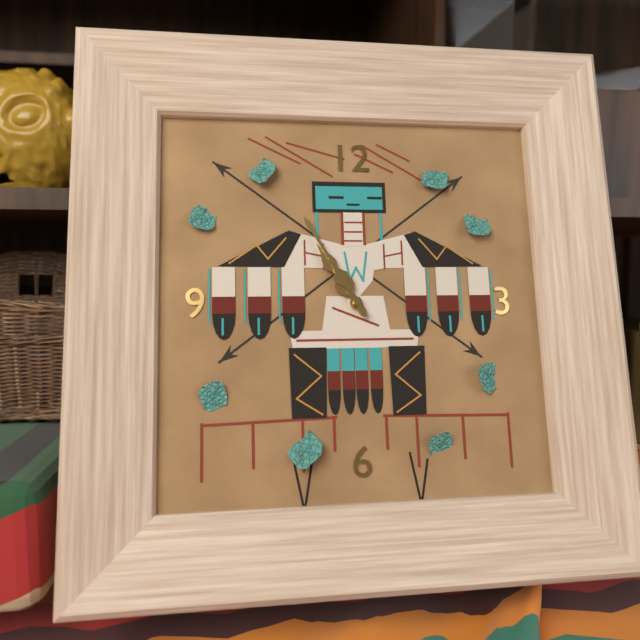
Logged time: {"hour": 10, "minute": 55}
